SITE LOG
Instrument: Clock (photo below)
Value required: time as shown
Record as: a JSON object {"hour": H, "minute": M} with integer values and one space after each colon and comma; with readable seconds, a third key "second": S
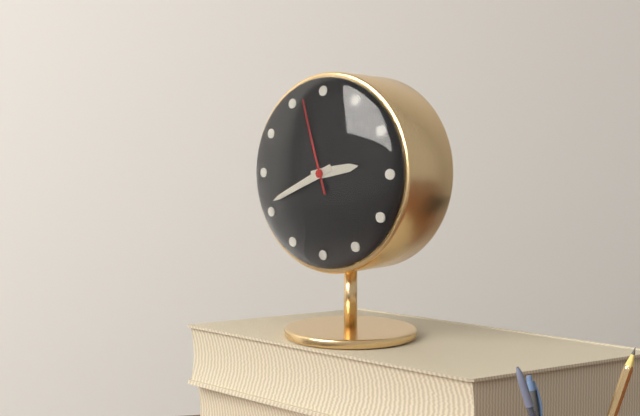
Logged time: {"hour": 2, "minute": 41, "second": 57}
